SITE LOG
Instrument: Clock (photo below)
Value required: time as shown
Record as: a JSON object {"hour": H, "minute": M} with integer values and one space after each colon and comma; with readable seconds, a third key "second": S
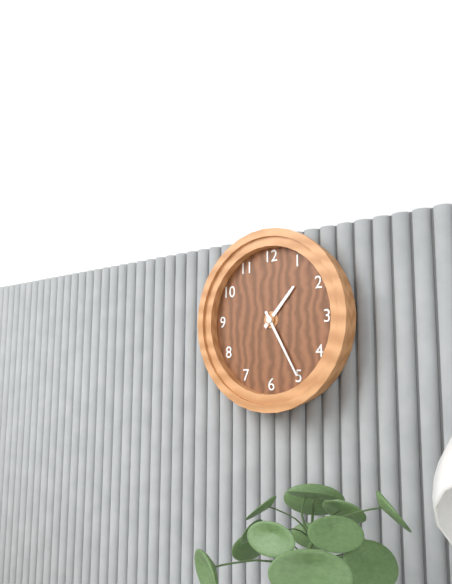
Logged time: {"hour": 1, "minute": 25}
